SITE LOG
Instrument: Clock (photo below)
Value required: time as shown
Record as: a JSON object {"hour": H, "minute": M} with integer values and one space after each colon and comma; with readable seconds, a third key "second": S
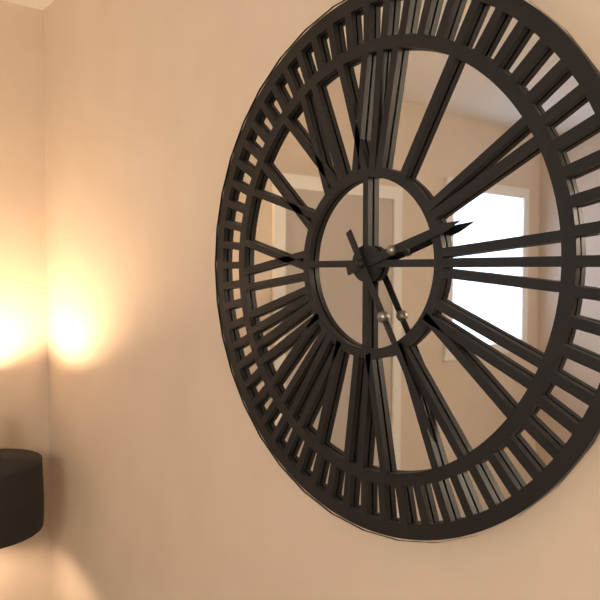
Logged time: {"hour": 2, "minute": 25}
